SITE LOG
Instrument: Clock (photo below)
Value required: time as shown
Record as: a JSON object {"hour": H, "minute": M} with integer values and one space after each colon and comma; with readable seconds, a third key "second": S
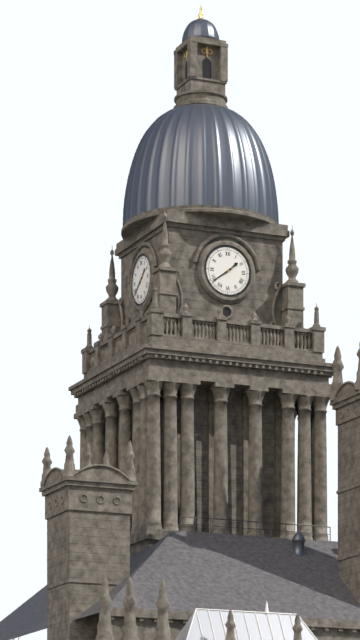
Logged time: {"hour": 1, "minute": 39}
